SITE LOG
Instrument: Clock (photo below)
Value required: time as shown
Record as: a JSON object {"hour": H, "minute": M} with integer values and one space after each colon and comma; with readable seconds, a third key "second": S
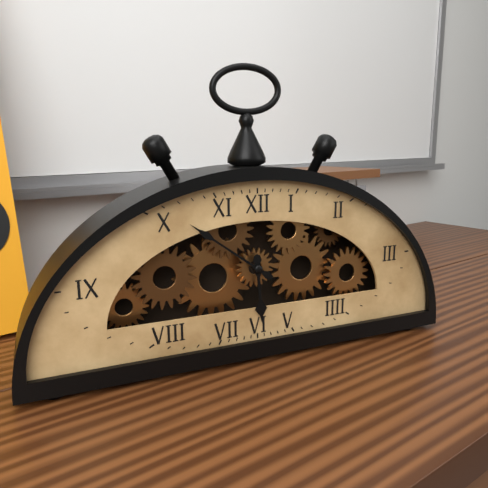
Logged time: {"hour": 5, "minute": 51}
